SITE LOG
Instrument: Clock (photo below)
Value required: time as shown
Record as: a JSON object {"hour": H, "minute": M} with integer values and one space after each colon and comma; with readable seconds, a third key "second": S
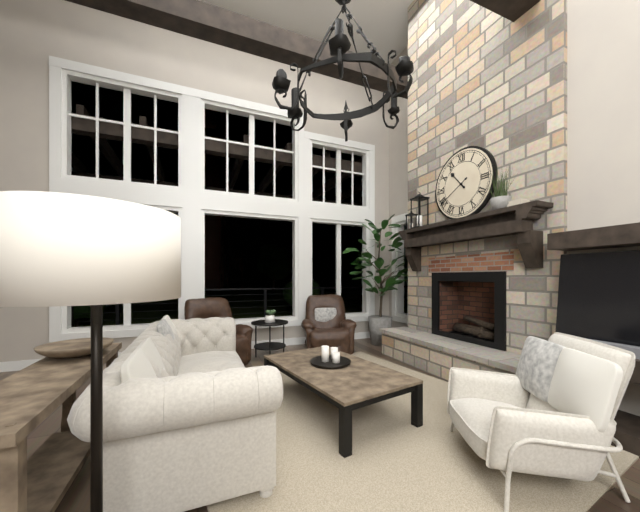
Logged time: {"hour": 10, "minute": 40}
